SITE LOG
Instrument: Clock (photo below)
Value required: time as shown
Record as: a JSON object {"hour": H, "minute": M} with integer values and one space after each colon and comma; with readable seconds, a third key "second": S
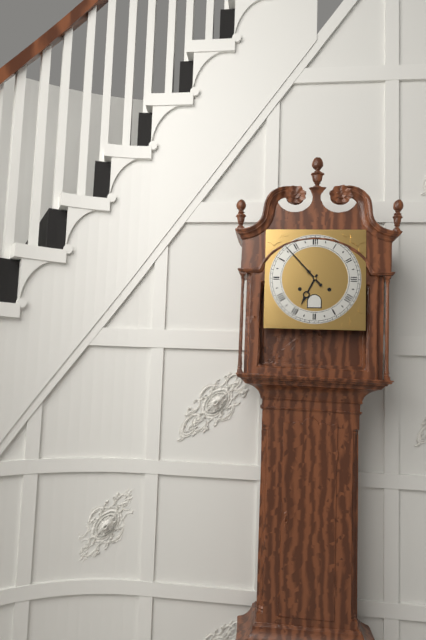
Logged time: {"hour": 6, "minute": 53}
